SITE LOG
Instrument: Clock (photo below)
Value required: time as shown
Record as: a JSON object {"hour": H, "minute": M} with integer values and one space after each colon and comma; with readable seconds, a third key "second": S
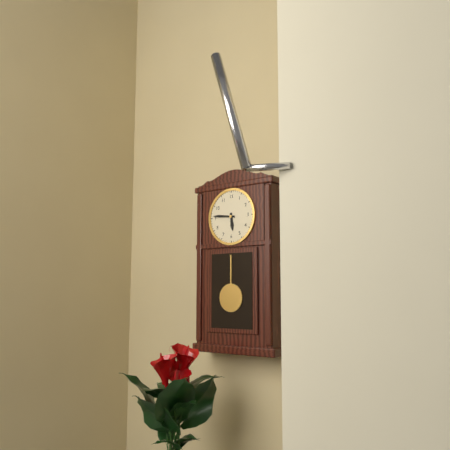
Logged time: {"hour": 5, "minute": 46}
